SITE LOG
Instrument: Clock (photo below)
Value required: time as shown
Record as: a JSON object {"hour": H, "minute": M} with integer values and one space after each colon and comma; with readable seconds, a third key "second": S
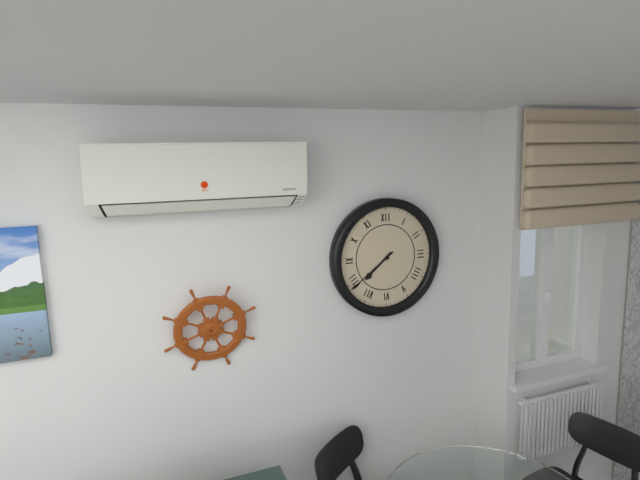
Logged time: {"hour": 7, "minute": 39}
